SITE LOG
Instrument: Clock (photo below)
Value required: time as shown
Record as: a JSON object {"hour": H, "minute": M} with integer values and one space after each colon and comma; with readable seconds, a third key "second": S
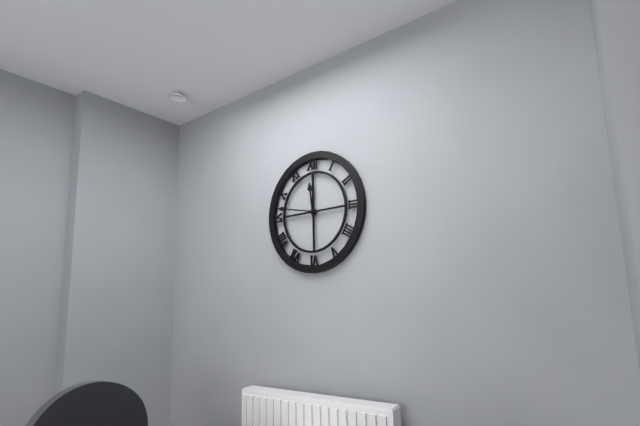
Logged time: {"hour": 11, "minute": 47}
